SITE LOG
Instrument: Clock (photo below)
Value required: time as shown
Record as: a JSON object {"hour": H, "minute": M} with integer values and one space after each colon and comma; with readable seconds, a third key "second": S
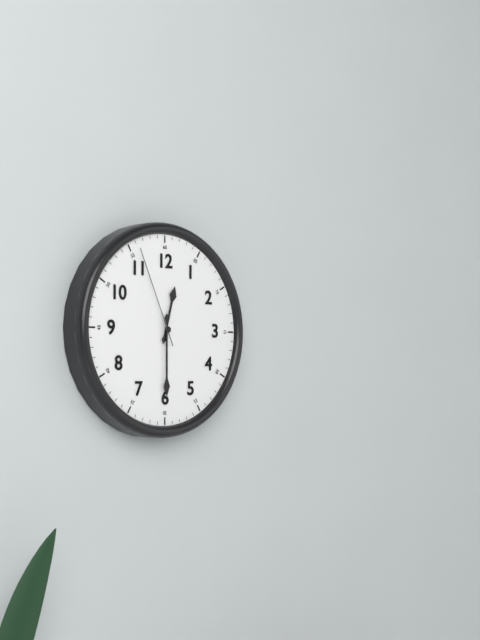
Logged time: {"hour": 12, "minute": 30, "second": 56}
